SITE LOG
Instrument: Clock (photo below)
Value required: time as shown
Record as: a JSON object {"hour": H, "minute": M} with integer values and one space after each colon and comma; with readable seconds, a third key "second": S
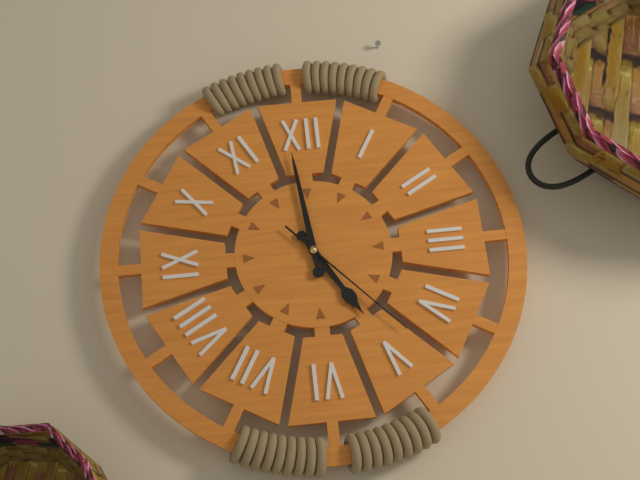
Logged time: {"hour": 4, "minute": 59, "second": 23}
